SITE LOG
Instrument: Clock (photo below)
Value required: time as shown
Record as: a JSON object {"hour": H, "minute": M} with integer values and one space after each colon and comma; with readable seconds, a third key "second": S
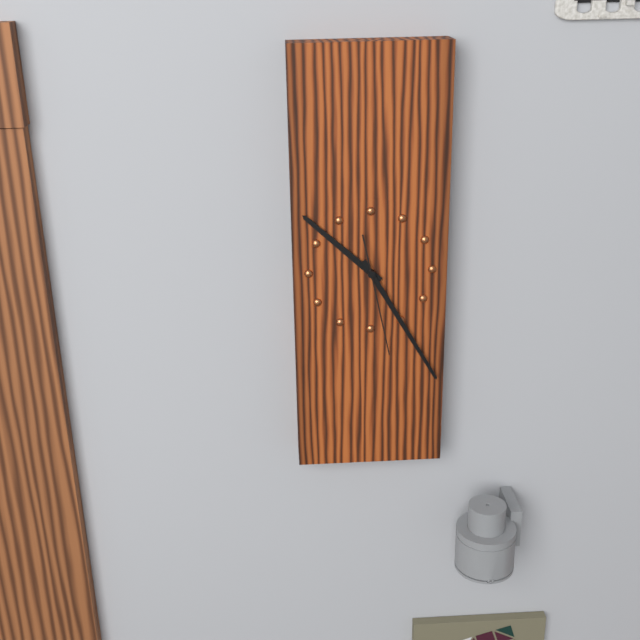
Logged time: {"hour": 10, "minute": 25, "second": 28}
